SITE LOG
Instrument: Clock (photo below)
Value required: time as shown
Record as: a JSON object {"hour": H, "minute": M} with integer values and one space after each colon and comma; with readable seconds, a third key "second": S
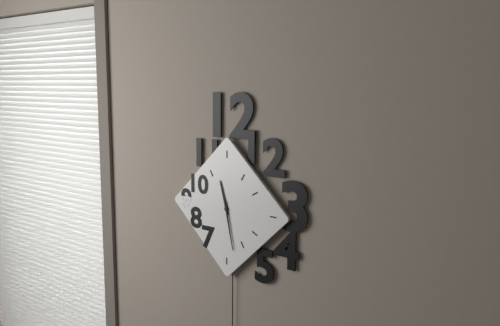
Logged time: {"hour": 11, "minute": 28}
